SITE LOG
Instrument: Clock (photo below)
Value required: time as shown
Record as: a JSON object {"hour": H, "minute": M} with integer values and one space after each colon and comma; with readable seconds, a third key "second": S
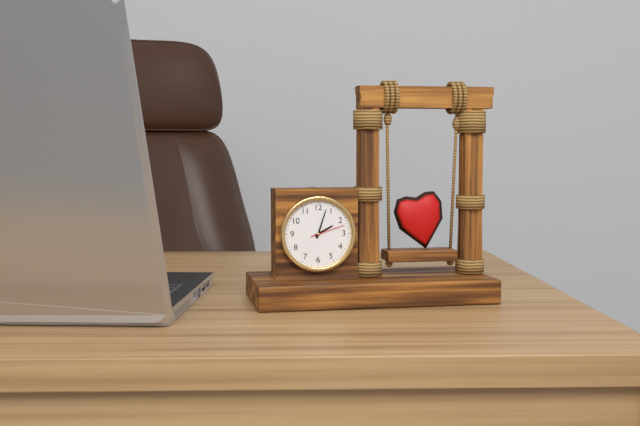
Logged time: {"hour": 2, "minute": 3}
